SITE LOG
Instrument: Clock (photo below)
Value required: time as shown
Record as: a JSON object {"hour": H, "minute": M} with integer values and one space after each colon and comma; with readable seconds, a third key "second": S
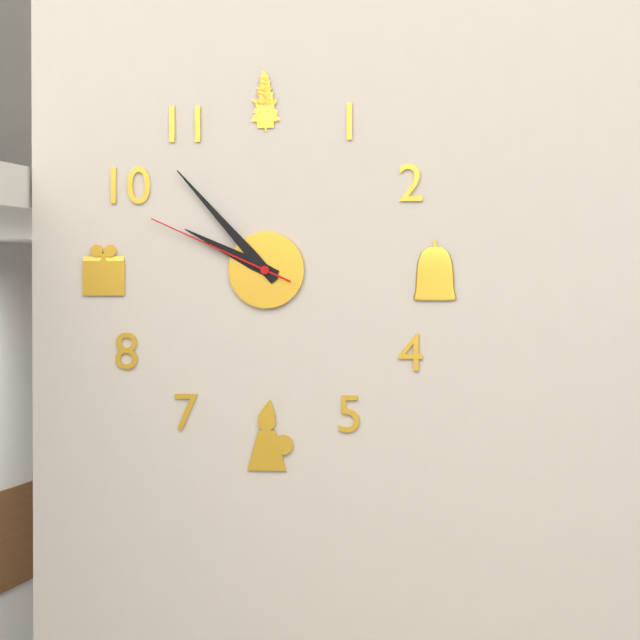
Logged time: {"hour": 9, "minute": 53, "second": 49}
